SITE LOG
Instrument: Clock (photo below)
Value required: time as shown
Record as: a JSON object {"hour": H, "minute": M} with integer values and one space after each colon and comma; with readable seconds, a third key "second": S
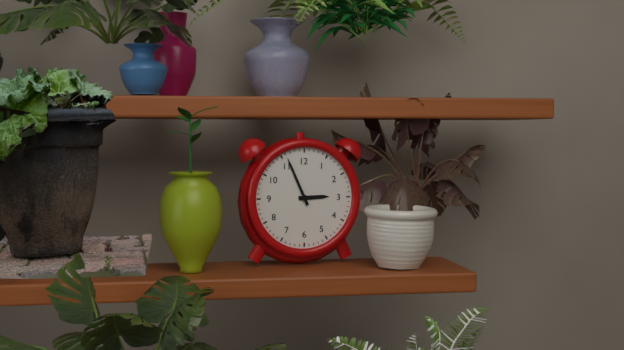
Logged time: {"hour": 2, "minute": 56}
